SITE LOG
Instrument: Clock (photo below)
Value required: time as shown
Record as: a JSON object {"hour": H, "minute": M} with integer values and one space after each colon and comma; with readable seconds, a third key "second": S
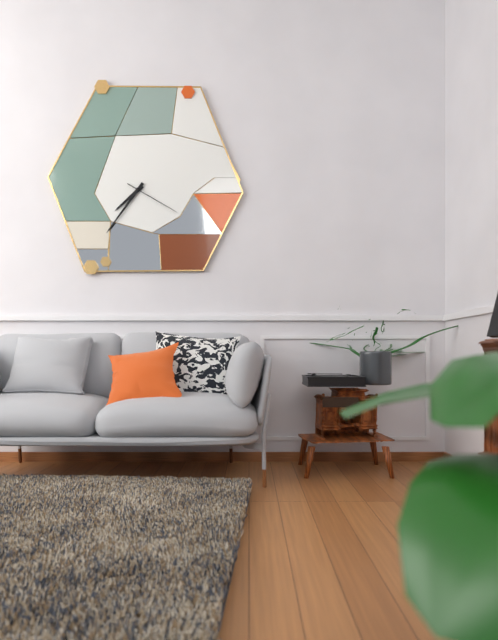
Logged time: {"hour": 7, "minute": 36, "second": 20}
